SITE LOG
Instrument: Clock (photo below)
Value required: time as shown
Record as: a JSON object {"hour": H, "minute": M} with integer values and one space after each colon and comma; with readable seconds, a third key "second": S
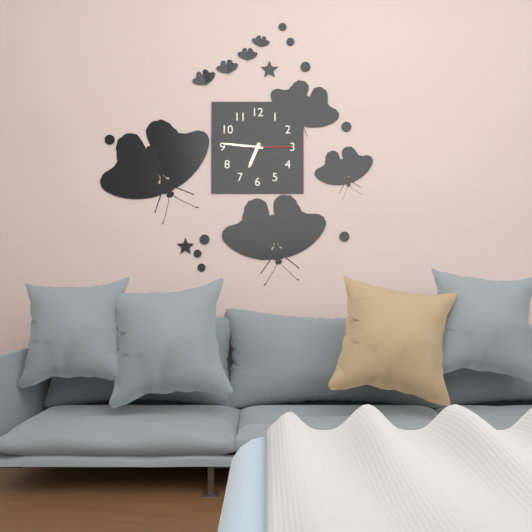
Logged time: {"hour": 6, "minute": 46, "second": 15}
